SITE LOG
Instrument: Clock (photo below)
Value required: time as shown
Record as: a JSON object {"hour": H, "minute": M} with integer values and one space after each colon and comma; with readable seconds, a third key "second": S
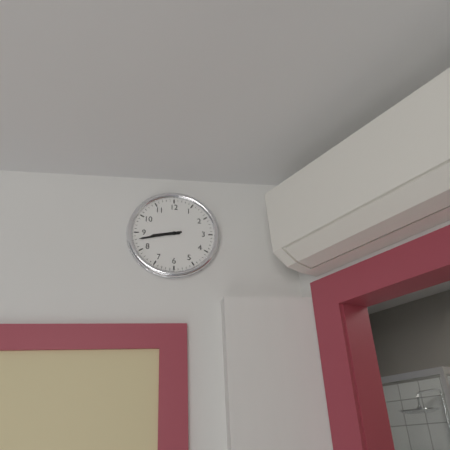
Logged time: {"hour": 8, "minute": 43}
